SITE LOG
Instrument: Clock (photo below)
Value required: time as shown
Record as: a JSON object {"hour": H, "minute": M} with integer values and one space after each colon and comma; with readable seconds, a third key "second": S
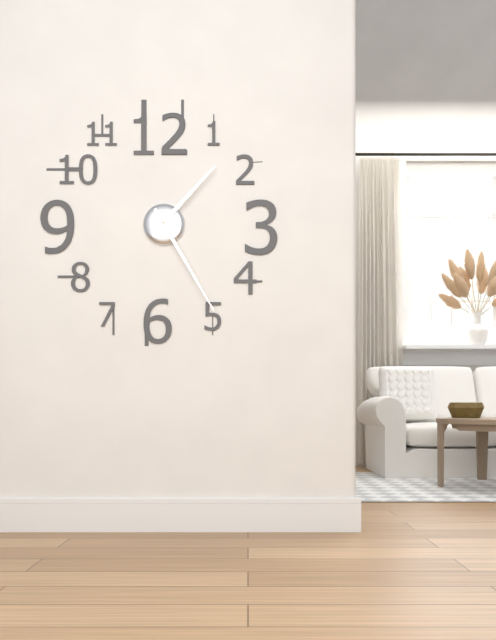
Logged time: {"hour": 1, "minute": 25}
